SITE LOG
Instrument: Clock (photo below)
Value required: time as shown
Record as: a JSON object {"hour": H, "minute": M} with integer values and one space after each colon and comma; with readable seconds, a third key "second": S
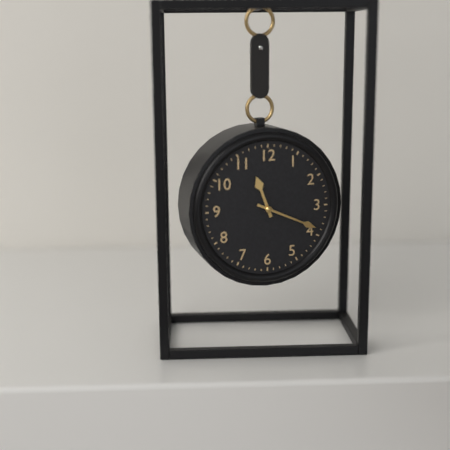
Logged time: {"hour": 11, "minute": 19}
